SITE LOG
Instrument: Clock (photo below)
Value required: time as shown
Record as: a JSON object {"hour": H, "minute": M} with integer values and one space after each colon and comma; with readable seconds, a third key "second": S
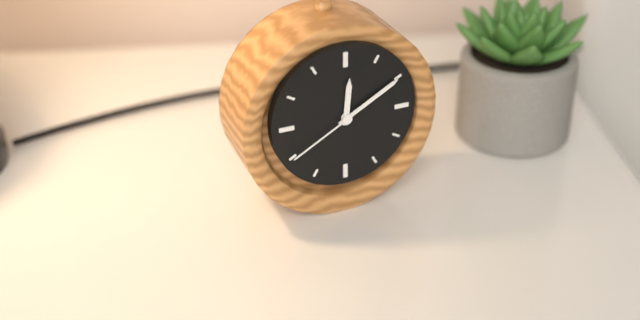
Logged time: {"hour": 12, "minute": 10, "second": 40}
